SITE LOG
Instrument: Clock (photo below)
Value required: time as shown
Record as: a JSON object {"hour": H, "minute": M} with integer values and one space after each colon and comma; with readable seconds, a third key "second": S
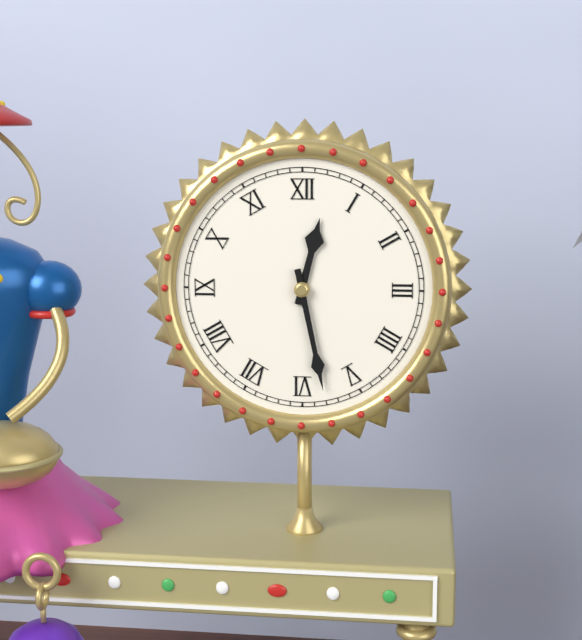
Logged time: {"hour": 12, "minute": 28}
